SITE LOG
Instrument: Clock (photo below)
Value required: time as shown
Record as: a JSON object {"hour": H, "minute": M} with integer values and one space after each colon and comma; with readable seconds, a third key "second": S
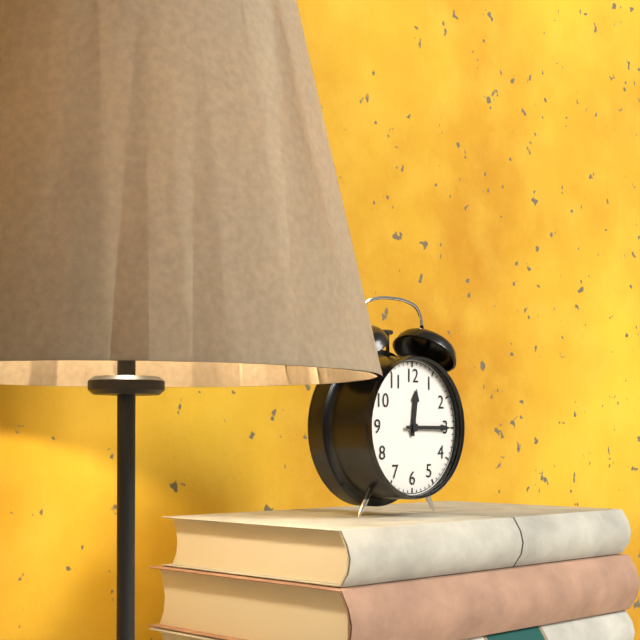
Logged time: {"hour": 12, "minute": 15}
